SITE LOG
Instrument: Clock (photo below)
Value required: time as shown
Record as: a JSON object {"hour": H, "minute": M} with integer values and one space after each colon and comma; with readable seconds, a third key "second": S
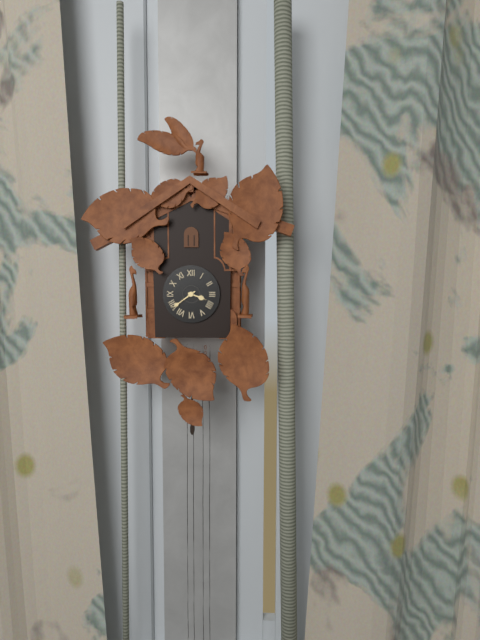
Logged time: {"hour": 3, "minute": 39}
